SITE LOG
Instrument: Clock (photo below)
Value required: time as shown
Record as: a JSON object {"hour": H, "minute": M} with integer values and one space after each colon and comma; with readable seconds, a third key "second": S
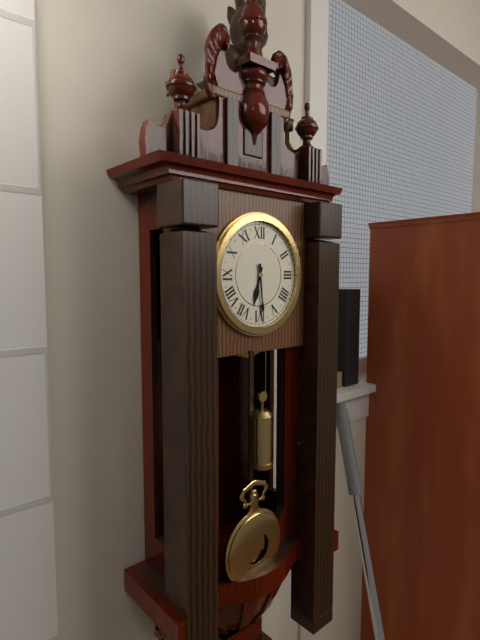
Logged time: {"hour": 6, "minute": 29}
